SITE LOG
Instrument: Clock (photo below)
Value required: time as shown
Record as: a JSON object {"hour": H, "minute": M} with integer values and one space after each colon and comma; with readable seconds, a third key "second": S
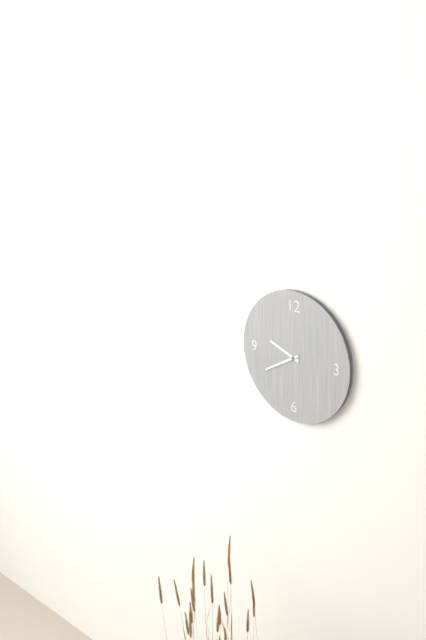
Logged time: {"hour": 9, "minute": 40}
